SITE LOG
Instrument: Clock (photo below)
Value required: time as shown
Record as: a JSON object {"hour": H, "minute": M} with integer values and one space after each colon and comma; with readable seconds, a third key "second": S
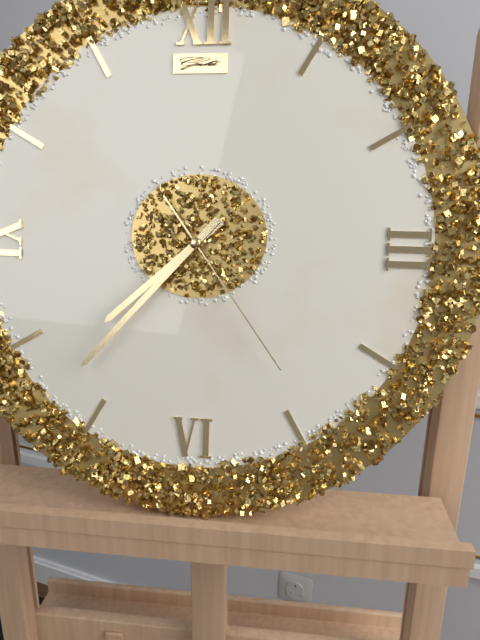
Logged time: {"hour": 7, "minute": 37, "second": 24}
